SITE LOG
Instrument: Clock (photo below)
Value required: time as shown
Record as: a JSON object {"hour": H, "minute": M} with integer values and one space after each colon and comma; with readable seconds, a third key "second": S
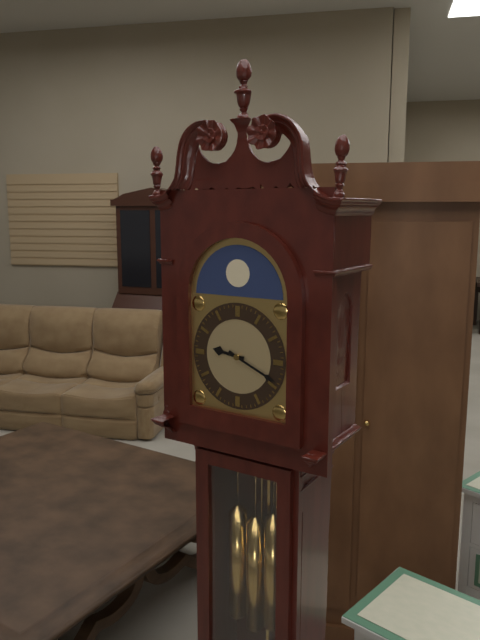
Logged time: {"hour": 9, "minute": 19}
